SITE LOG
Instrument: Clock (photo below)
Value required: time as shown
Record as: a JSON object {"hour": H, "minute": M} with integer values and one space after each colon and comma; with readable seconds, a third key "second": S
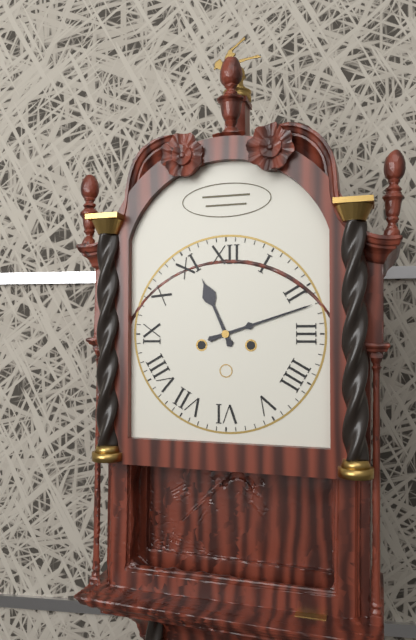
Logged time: {"hour": 11, "minute": 12}
